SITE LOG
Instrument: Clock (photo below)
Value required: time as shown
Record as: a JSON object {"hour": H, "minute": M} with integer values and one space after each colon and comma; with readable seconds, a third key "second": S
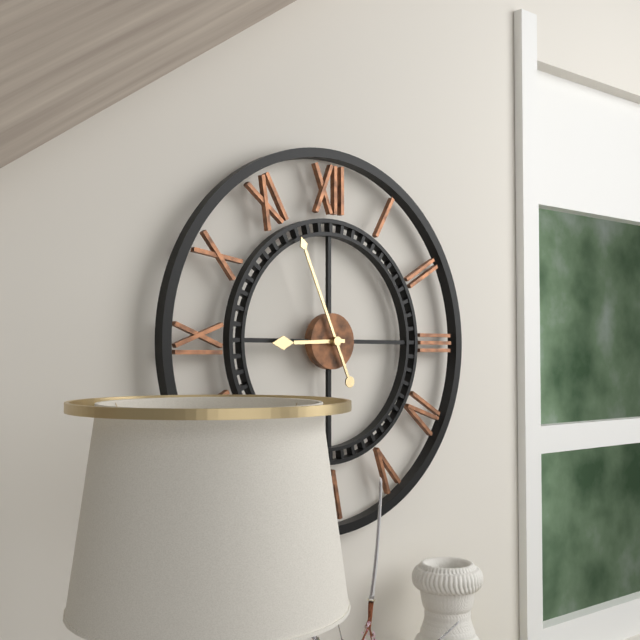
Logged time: {"hour": 8, "minute": 56}
